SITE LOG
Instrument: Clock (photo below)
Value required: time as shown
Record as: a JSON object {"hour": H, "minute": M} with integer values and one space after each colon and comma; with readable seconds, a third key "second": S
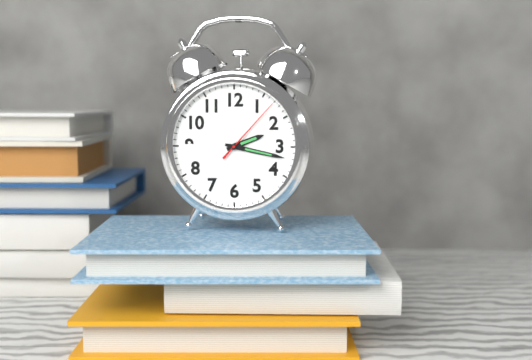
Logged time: {"hour": 2, "minute": 17, "second": 7}
